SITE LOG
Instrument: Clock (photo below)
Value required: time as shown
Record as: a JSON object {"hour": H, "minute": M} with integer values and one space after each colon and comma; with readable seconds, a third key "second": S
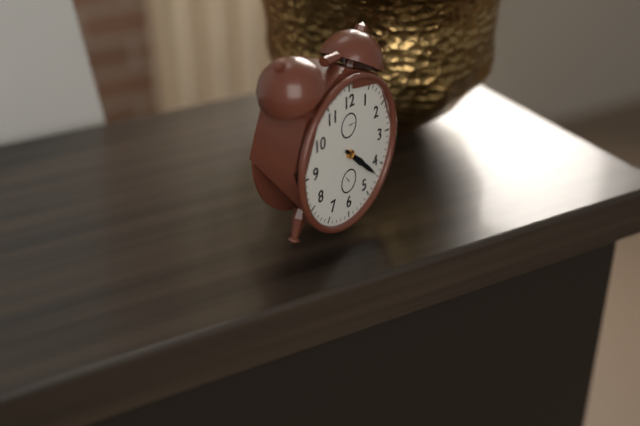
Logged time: {"hour": 4, "minute": 22}
